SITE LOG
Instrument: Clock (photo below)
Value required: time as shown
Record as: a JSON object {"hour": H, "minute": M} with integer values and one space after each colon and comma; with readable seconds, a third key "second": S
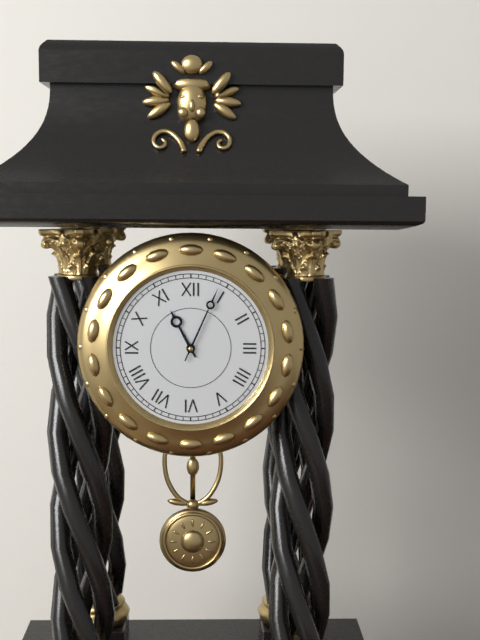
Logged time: {"hour": 11, "minute": 4}
